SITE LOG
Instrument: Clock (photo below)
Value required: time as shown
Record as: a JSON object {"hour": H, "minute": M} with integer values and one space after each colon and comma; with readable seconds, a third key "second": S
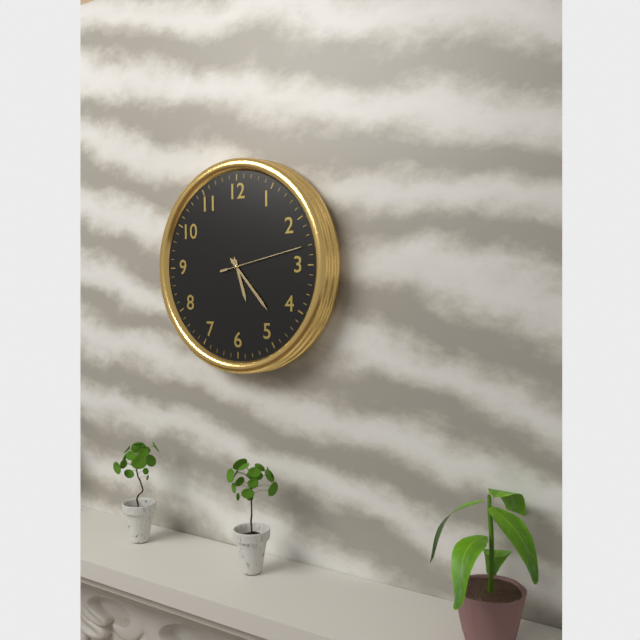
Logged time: {"hour": 5, "minute": 23, "second": 13}
